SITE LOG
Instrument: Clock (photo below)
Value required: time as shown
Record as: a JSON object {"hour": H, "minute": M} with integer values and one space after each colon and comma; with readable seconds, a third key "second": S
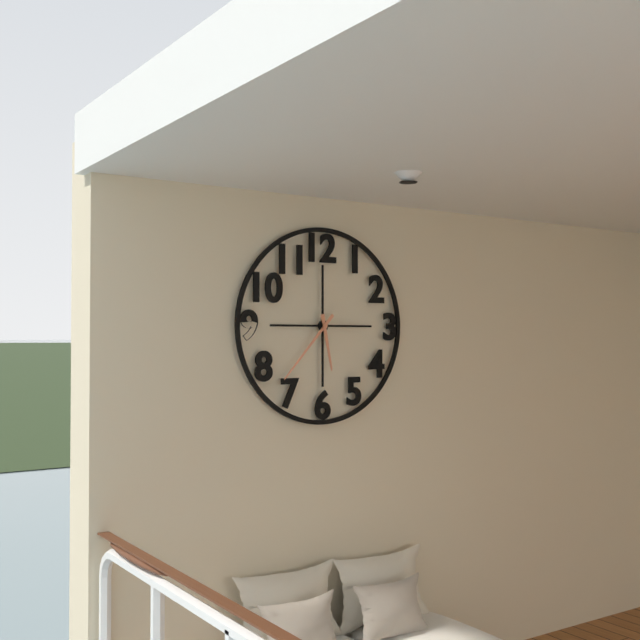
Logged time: {"hour": 5, "minute": 37}
